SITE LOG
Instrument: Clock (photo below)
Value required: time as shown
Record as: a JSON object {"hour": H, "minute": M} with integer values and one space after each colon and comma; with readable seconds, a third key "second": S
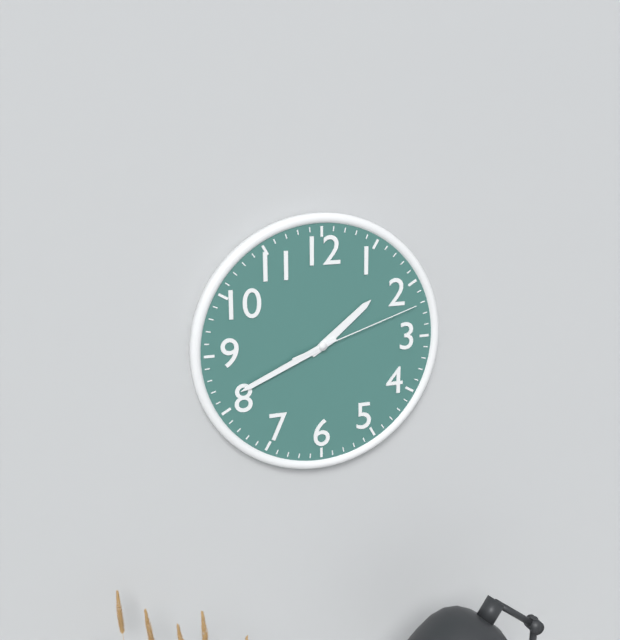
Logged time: {"hour": 1, "minute": 41, "second": 12}
